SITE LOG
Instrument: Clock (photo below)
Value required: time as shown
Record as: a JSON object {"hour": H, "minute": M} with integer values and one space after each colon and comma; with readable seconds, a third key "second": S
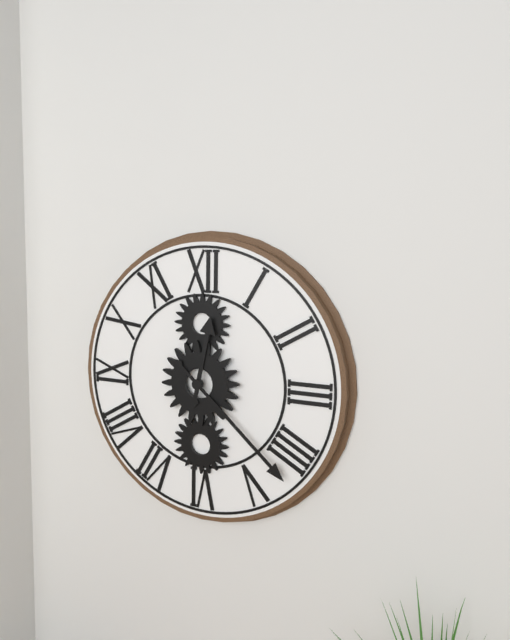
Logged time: {"hour": 12, "minute": 22}
